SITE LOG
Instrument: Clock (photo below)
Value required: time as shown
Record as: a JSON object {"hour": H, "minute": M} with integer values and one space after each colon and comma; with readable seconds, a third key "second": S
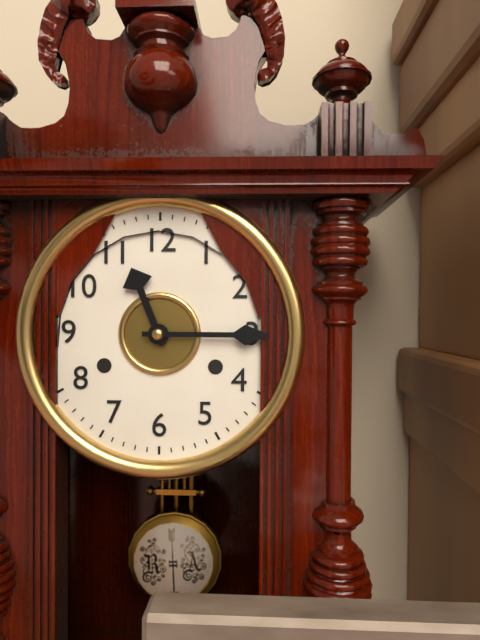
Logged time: {"hour": 11, "minute": 15}
